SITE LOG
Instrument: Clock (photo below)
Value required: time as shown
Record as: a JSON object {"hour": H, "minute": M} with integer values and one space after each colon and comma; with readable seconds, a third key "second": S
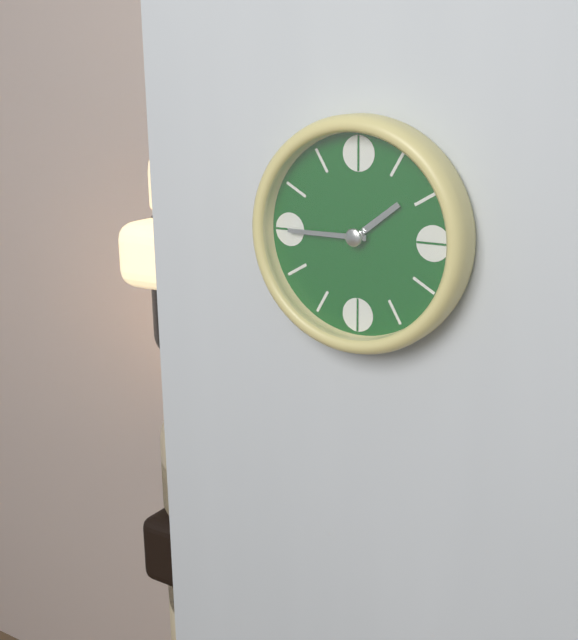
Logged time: {"hour": 1, "minute": 45}
